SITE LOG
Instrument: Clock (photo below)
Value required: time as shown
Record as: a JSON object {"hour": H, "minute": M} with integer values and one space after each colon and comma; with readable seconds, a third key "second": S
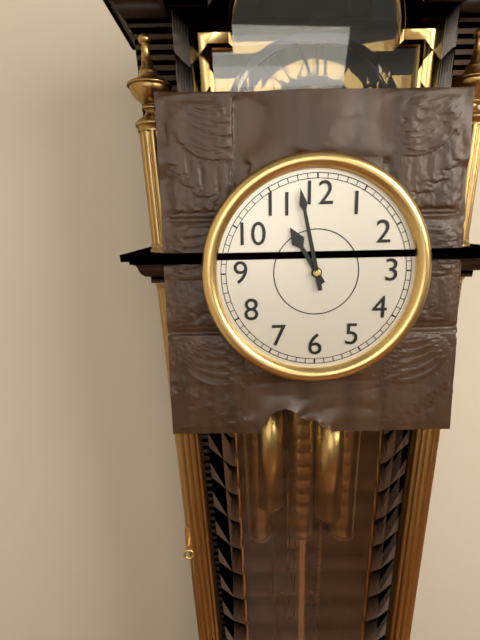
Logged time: {"hour": 10, "minute": 58}
